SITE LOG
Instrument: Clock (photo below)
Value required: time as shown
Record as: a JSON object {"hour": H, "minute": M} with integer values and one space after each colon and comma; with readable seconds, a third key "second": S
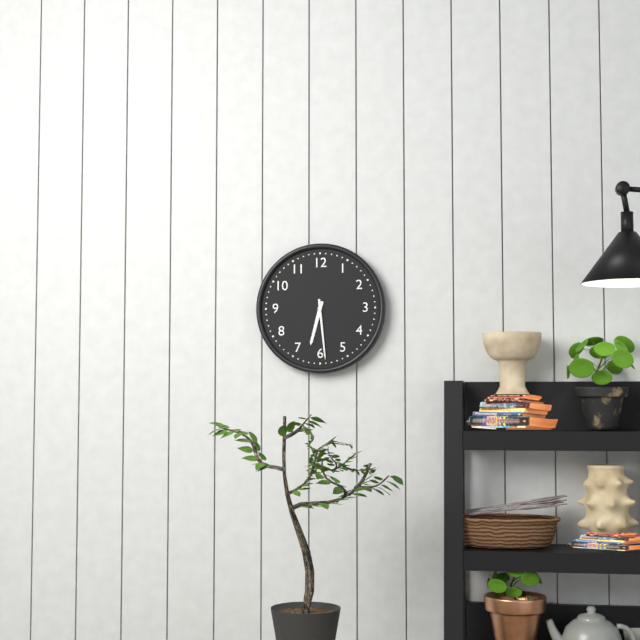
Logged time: {"hour": 6, "minute": 29}
